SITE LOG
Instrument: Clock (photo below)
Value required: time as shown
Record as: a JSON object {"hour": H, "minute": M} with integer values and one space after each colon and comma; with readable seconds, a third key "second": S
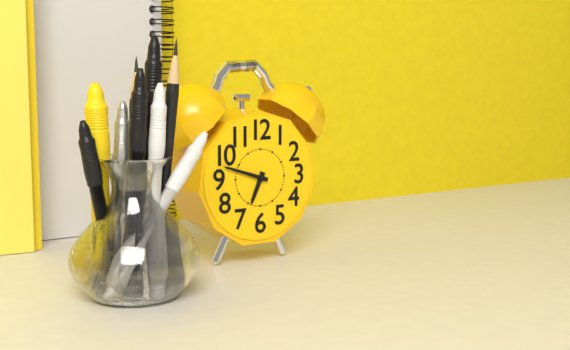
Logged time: {"hour": 6, "minute": 48}
